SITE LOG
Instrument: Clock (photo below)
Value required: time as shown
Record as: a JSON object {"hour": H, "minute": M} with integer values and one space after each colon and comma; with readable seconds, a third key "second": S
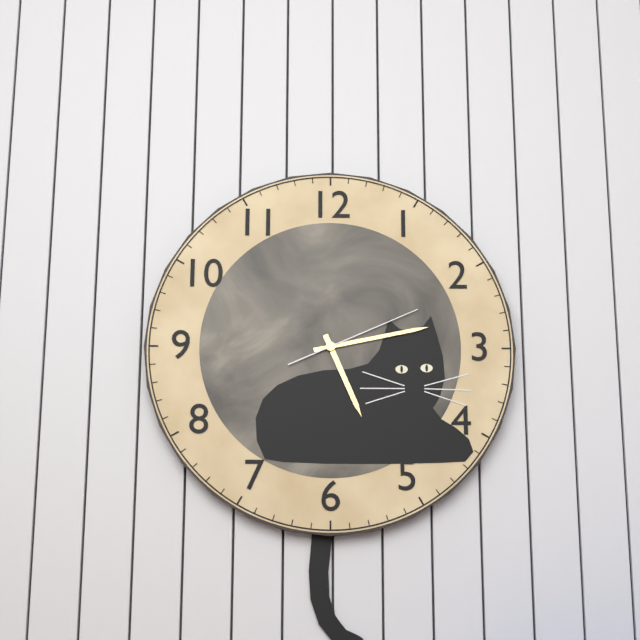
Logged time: {"hour": 5, "minute": 13, "second": 11}
